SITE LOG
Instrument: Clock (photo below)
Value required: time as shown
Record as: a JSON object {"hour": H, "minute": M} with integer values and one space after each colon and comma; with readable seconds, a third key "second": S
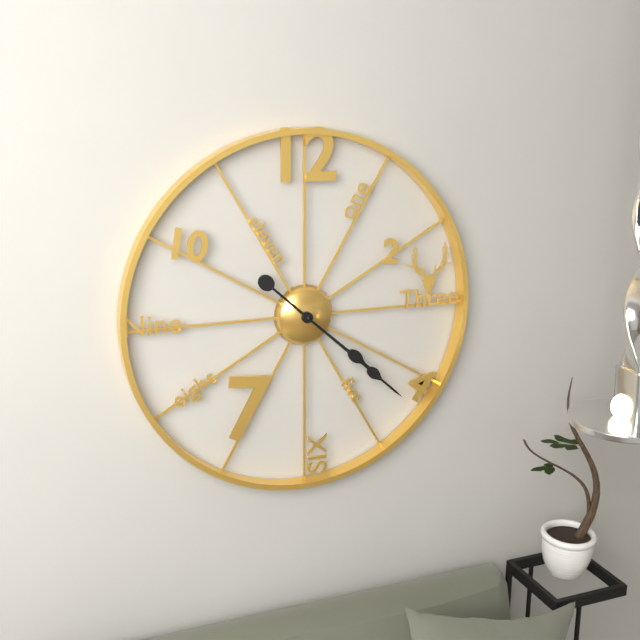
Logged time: {"hour": 4, "minute": 22}
